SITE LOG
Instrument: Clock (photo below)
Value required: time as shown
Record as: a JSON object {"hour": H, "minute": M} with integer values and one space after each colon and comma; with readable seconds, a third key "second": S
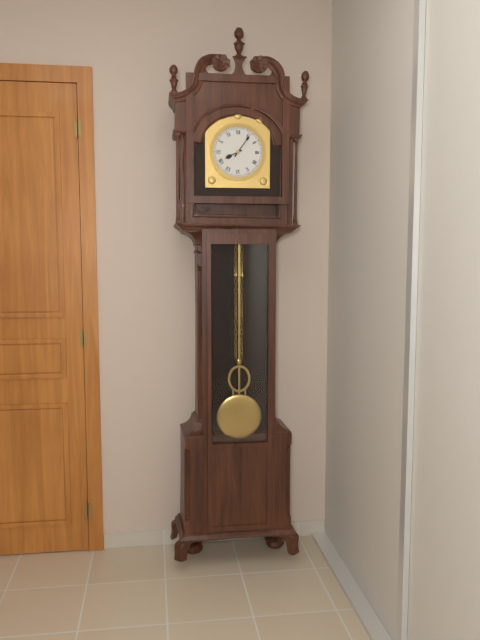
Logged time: {"hour": 8, "minute": 6}
